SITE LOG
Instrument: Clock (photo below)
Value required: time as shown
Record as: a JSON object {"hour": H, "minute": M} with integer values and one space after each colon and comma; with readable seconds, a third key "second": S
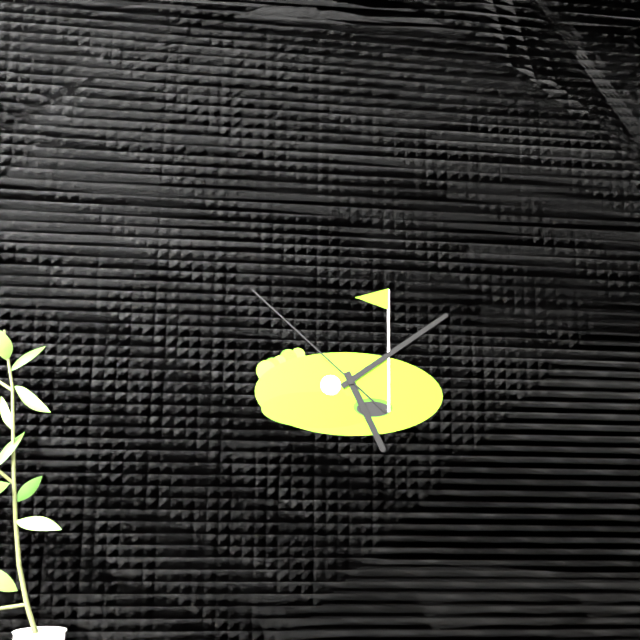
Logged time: {"hour": 5, "minute": 9, "second": 52}
